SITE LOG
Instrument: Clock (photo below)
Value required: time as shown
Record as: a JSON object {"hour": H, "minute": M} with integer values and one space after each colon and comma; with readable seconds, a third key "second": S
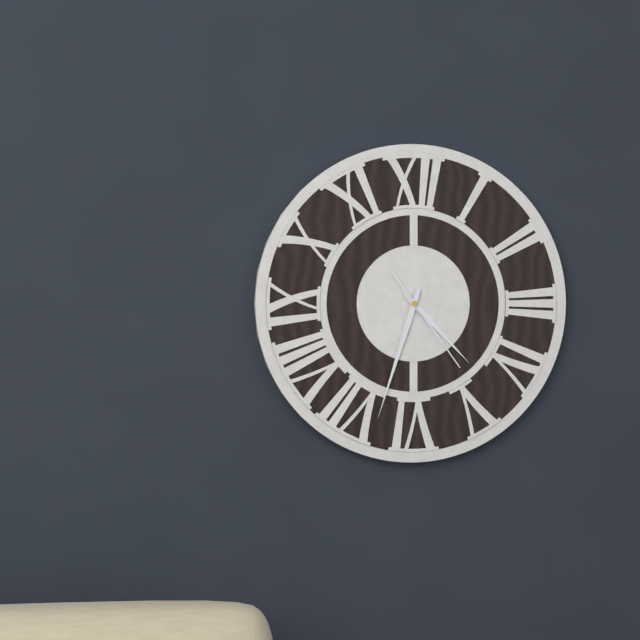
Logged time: {"hour": 4, "minute": 33, "second": 24}
